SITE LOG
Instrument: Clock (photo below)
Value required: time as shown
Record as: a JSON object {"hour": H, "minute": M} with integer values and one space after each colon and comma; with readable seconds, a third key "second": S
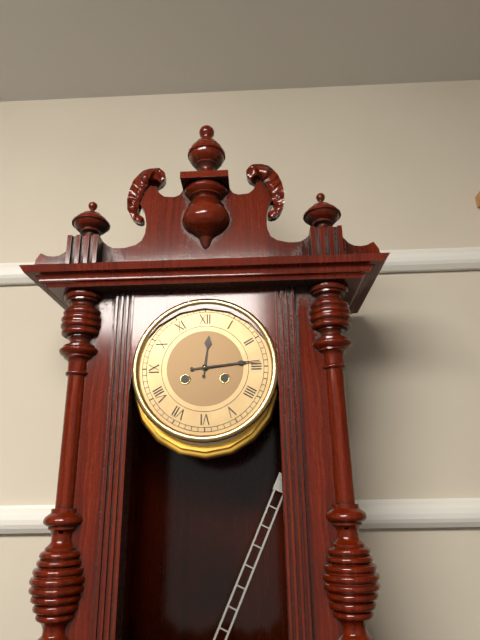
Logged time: {"hour": 12, "minute": 14}
